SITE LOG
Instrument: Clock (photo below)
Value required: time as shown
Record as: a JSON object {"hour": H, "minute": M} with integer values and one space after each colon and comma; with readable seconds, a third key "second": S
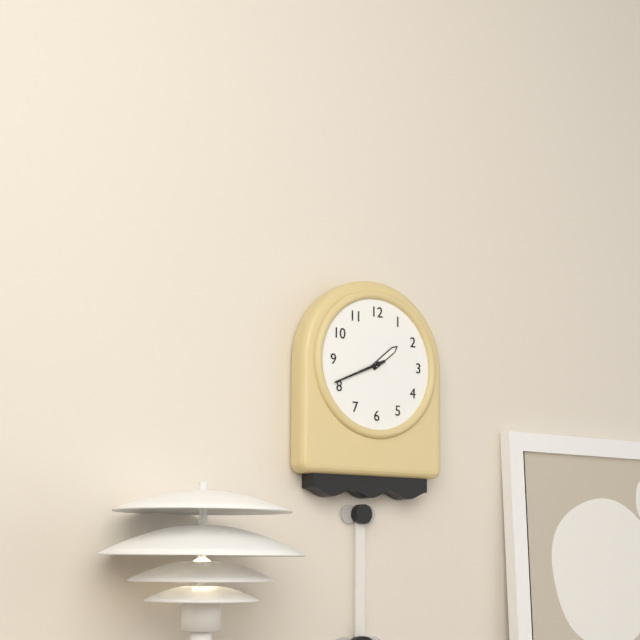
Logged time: {"hour": 1, "minute": 41}
